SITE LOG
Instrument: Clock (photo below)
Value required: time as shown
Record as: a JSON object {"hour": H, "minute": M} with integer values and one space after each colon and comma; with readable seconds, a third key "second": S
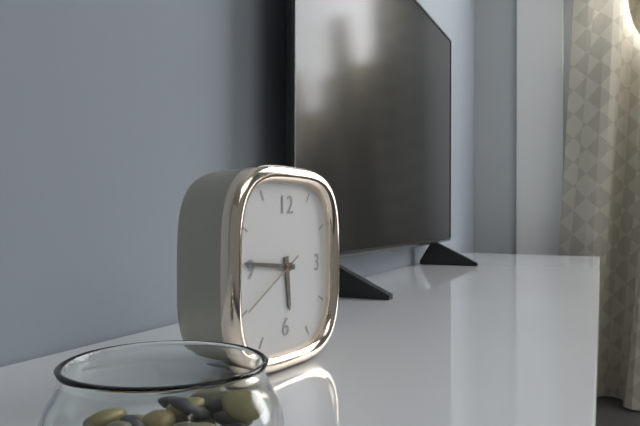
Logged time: {"hour": 5, "minute": 46, "second": 40}
